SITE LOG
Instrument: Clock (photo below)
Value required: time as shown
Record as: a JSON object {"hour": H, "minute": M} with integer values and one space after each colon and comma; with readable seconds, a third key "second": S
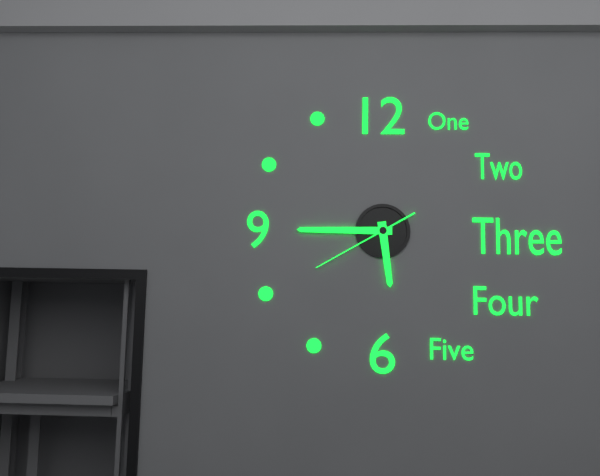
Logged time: {"hour": 5, "minute": 45, "second": 40}
